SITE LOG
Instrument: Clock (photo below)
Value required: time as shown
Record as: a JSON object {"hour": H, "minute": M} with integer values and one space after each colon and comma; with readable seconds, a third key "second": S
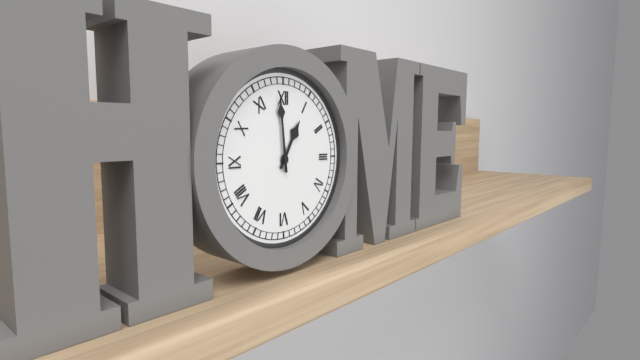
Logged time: {"hour": 12, "minute": 59}
